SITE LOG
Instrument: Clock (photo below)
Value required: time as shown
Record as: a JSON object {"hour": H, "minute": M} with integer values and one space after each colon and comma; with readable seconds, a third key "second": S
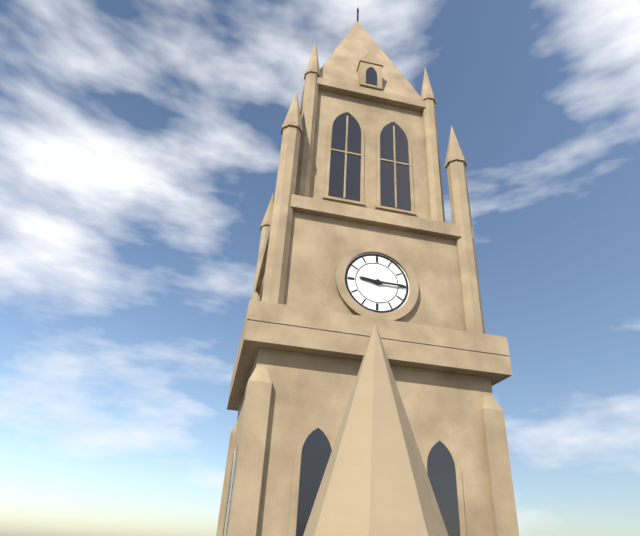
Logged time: {"hour": 9, "minute": 15}
